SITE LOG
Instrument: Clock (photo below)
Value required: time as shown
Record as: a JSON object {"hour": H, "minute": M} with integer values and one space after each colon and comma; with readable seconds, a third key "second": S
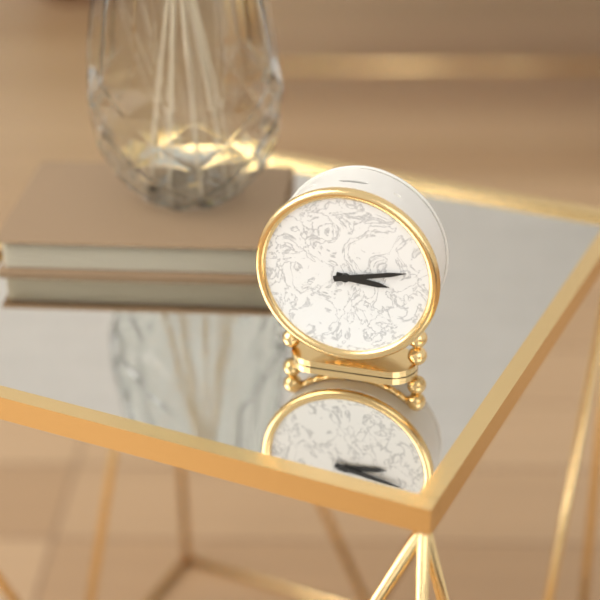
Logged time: {"hour": 3, "minute": 13}
